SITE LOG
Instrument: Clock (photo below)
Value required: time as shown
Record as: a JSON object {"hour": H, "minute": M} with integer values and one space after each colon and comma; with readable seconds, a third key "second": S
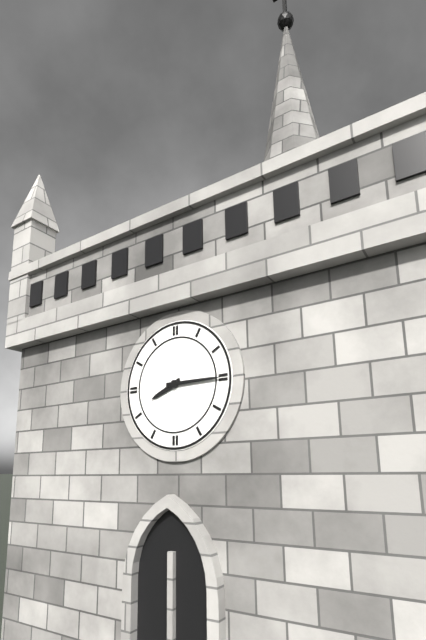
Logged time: {"hour": 8, "minute": 15}
